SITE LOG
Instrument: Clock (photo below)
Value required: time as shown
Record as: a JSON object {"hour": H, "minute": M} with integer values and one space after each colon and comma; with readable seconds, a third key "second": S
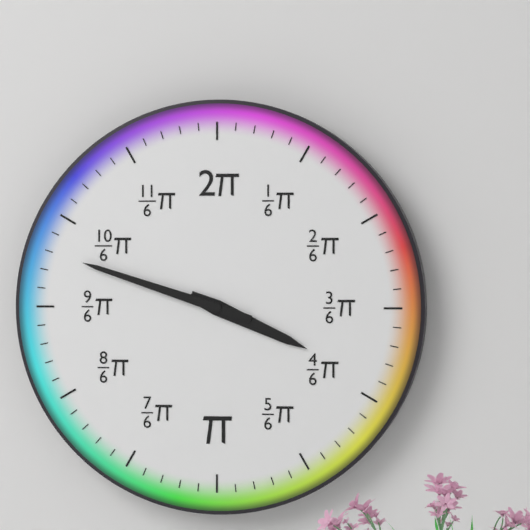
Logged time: {"hour": 3, "minute": 48}
